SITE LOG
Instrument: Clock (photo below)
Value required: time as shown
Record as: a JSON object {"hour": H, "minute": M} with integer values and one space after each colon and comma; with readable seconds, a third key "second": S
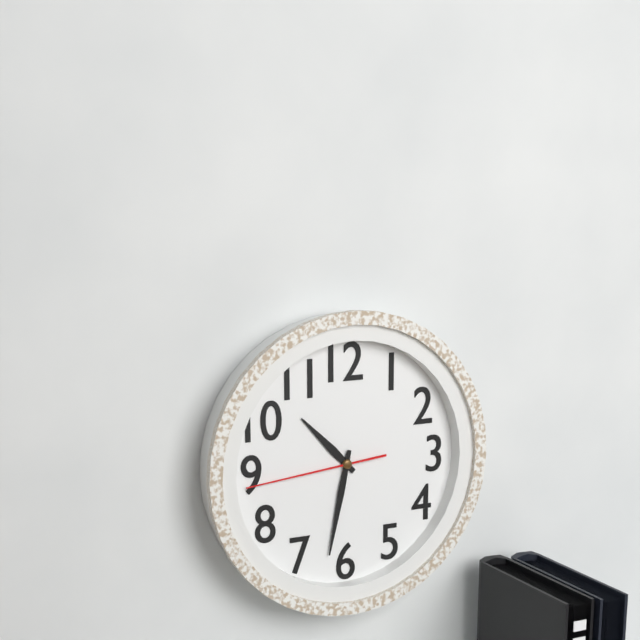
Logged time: {"hour": 10, "minute": 32, "second": 44}
